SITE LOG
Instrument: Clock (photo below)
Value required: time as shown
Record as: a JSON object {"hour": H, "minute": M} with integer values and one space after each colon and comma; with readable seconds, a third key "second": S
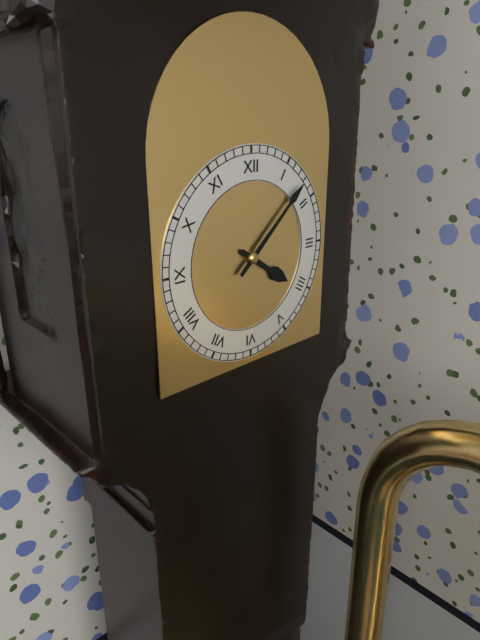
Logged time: {"hour": 4, "minute": 8}
